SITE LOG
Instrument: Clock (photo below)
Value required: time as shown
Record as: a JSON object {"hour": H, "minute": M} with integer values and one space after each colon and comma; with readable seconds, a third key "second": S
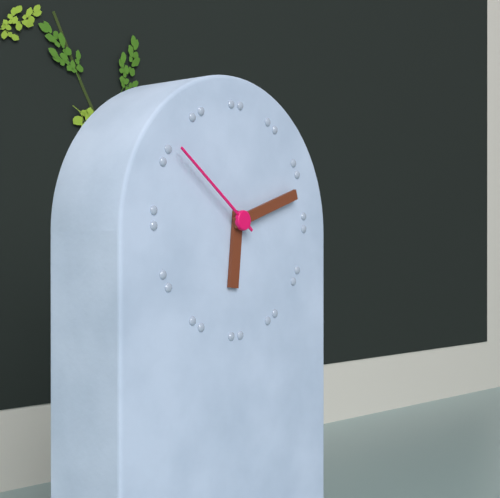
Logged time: {"hour": 6, "minute": 12, "second": 51}
